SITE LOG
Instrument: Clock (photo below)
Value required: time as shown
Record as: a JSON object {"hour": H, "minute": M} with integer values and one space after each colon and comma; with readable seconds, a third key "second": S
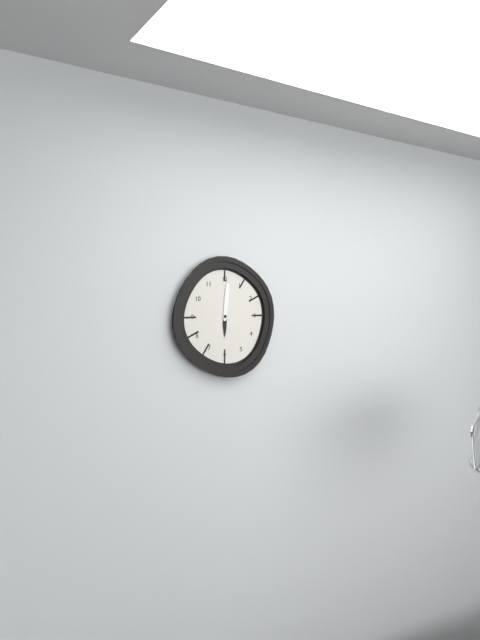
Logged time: {"hour": 6, "minute": 1}
